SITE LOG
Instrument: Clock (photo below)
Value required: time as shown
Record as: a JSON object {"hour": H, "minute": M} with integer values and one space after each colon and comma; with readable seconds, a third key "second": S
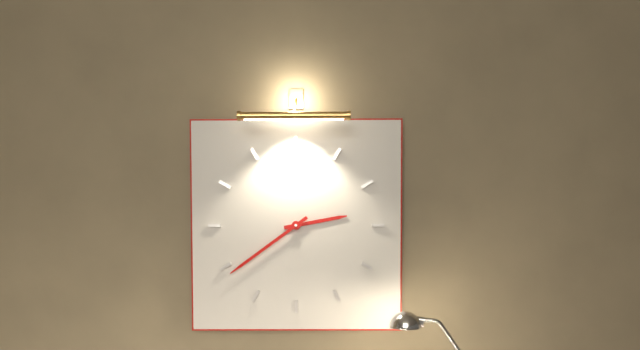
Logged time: {"hour": 2, "minute": 39}
